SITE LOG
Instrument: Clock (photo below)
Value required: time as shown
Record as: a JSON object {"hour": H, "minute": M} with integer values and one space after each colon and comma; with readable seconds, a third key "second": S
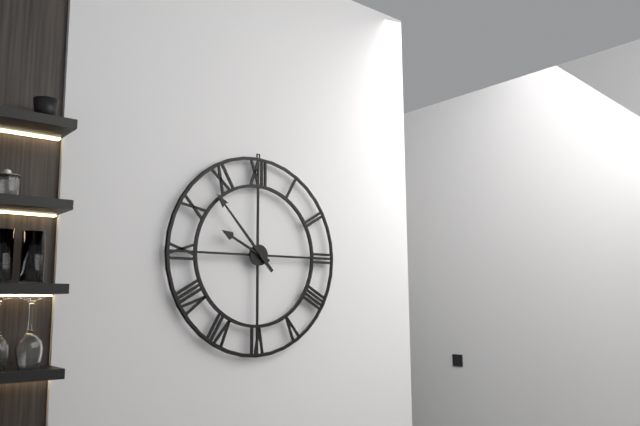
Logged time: {"hour": 9, "minute": 53}
